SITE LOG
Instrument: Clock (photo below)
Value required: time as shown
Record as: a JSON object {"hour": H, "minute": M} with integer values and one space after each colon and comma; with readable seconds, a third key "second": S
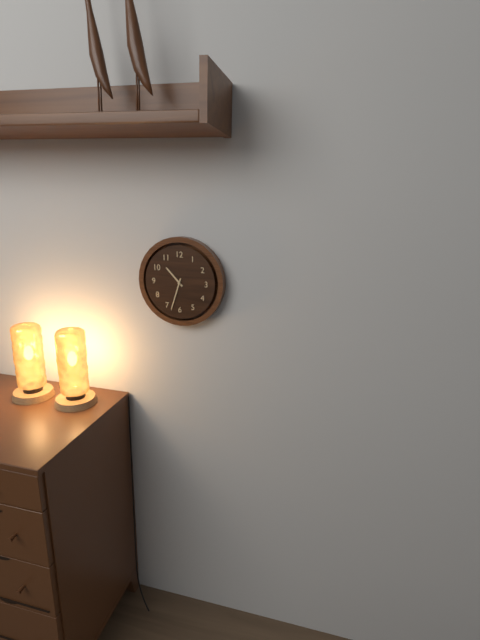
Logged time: {"hour": 10, "minute": 33}
